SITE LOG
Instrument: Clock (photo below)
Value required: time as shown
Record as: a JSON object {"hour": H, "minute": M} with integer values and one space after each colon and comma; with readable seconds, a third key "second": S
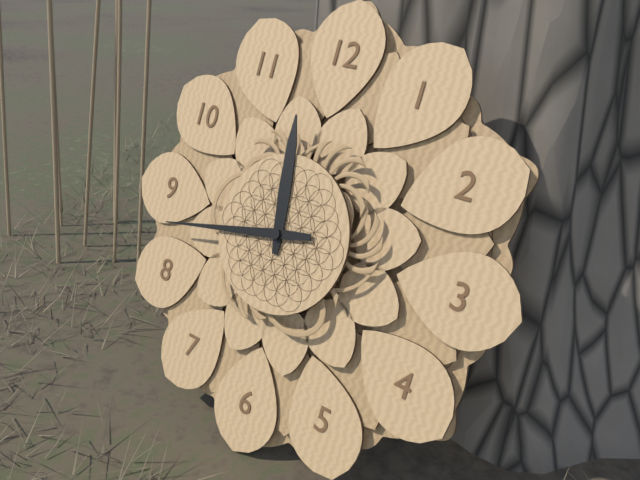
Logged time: {"hour": 11, "minute": 43}
